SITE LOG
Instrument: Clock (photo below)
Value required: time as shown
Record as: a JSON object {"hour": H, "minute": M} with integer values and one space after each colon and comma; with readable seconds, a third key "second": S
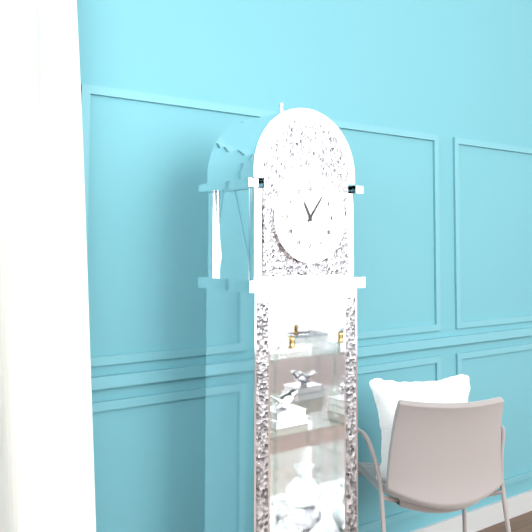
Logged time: {"hour": 11, "minute": 6}
